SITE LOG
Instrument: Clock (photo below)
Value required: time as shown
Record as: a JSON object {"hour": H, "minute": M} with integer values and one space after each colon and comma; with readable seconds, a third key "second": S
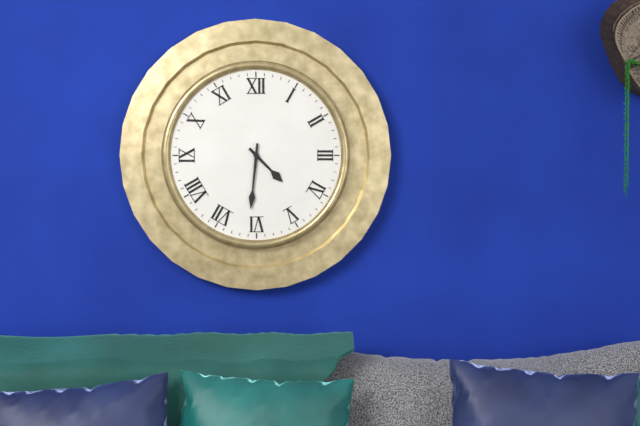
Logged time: {"hour": 4, "minute": 31}
